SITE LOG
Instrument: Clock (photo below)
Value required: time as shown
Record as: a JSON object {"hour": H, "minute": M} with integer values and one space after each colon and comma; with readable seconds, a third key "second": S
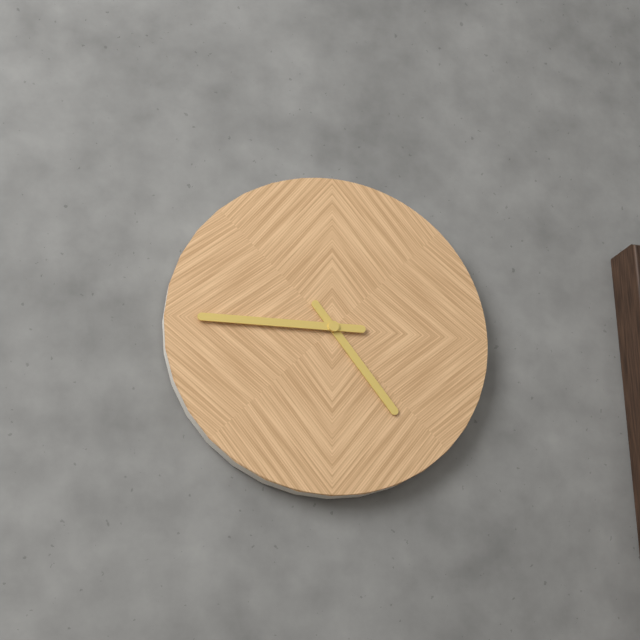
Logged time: {"hour": 4, "minute": 45}
